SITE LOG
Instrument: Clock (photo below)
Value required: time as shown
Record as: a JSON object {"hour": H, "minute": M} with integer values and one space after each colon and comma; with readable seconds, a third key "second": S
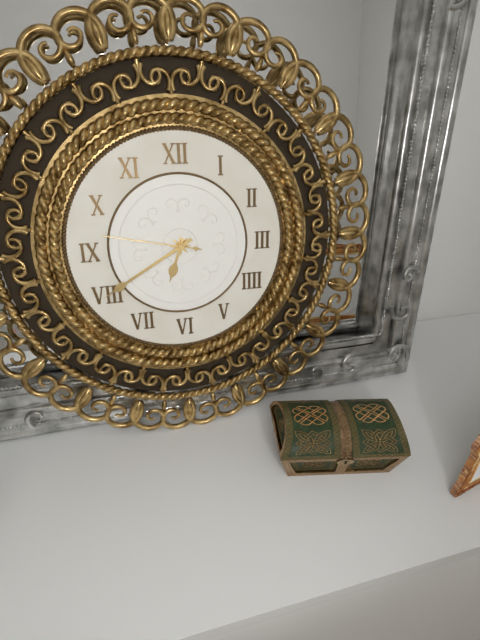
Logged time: {"hour": 6, "minute": 40, "second": 47}
